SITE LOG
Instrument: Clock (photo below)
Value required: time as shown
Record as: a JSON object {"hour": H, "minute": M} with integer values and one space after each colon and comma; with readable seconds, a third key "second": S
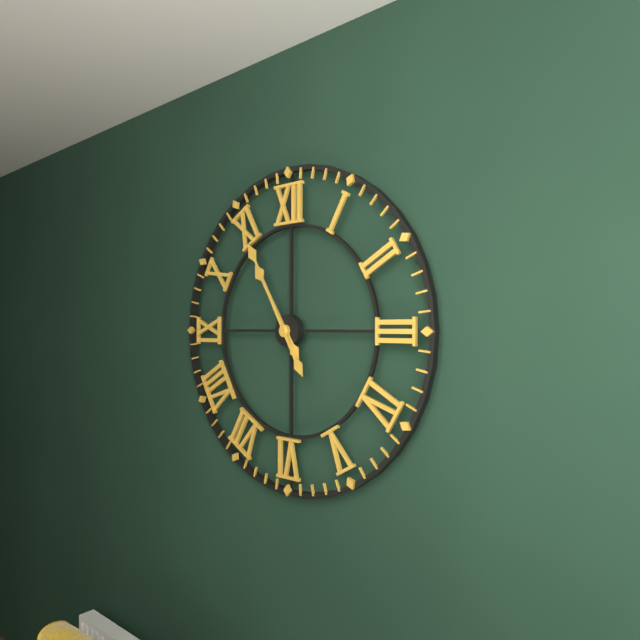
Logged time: {"hour": 10, "minute": 55}
